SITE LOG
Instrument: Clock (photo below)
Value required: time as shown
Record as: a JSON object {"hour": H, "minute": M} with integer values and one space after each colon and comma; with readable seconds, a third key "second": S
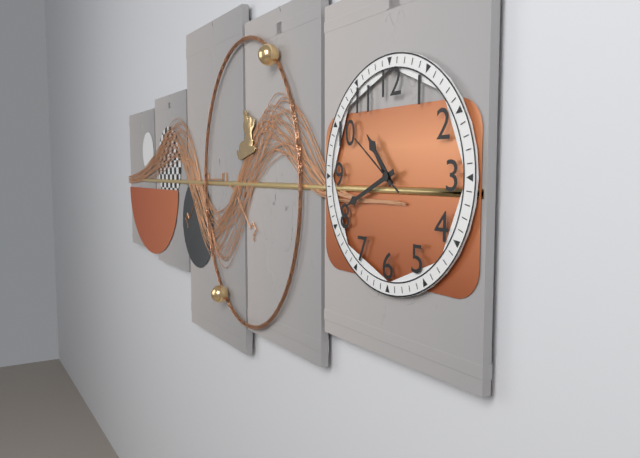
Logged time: {"hour": 10, "minute": 41, "second": 51}
